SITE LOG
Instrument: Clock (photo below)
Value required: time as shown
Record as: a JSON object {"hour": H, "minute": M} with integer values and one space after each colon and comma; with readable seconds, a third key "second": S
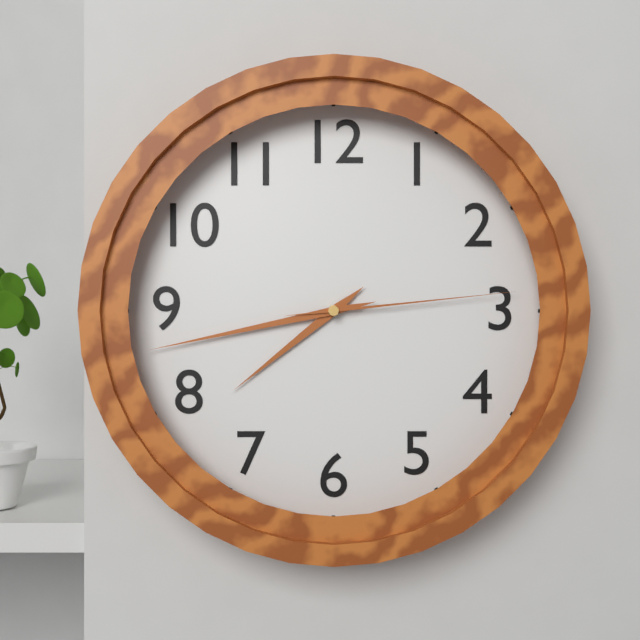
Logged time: {"hour": 7, "minute": 43, "second": 14}
